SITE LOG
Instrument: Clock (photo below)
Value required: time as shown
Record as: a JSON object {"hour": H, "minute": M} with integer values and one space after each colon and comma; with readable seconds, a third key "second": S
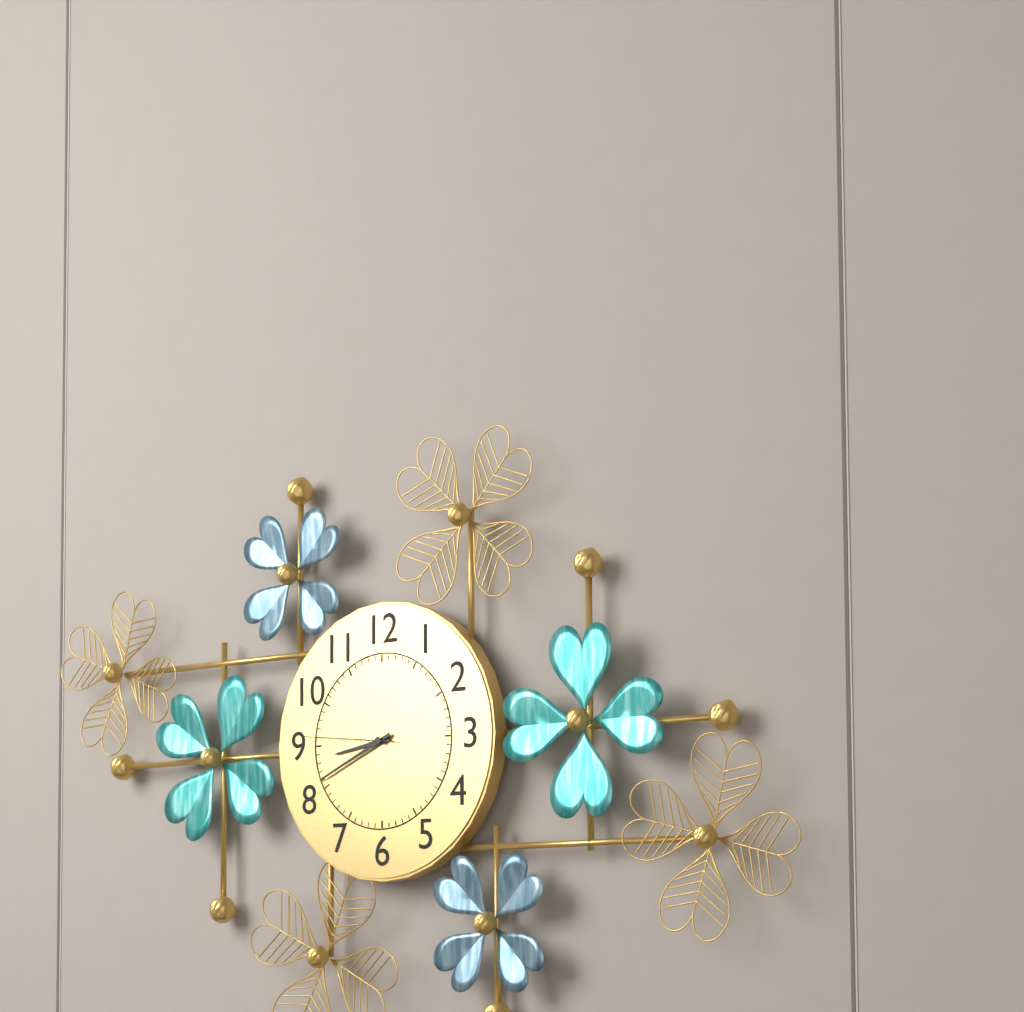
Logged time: {"hour": 8, "minute": 41, "second": 46}
